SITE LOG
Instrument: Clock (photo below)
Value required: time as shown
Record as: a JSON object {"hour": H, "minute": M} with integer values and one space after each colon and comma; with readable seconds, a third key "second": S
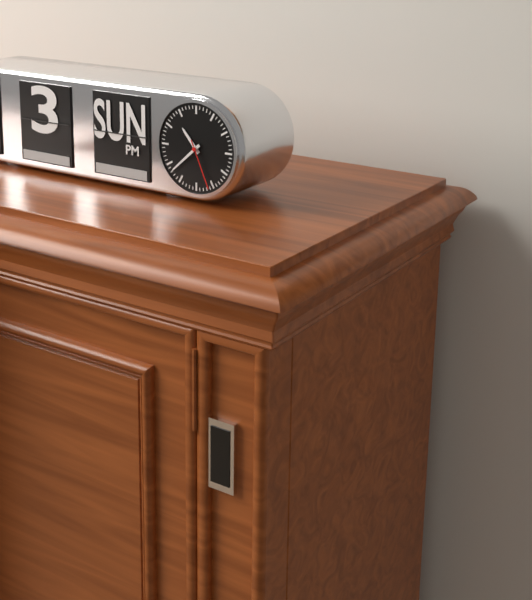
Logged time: {"hour": 10, "minute": 38, "second": 26}
